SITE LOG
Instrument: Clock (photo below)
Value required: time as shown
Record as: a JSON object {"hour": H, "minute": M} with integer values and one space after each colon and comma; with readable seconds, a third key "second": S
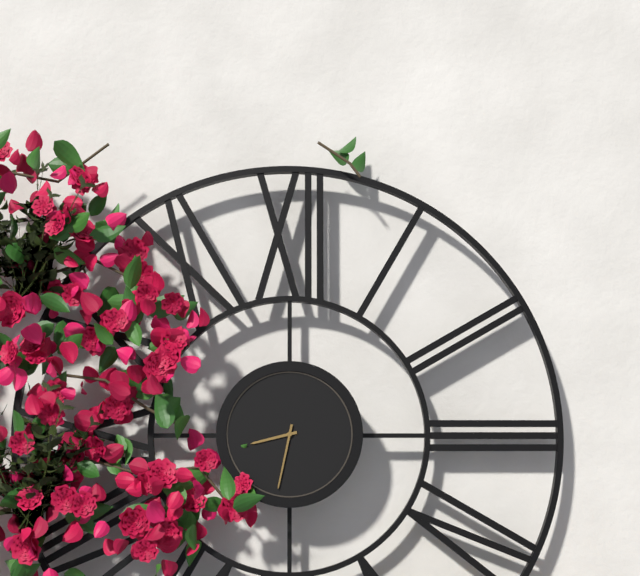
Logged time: {"hour": 8, "minute": 32}
